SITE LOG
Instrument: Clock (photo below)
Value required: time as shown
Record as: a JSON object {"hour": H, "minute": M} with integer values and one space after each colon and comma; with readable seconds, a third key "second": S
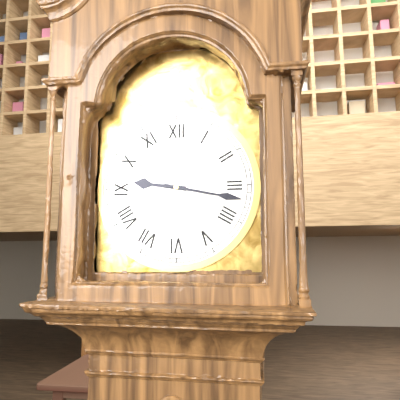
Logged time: {"hour": 9, "minute": 17}
